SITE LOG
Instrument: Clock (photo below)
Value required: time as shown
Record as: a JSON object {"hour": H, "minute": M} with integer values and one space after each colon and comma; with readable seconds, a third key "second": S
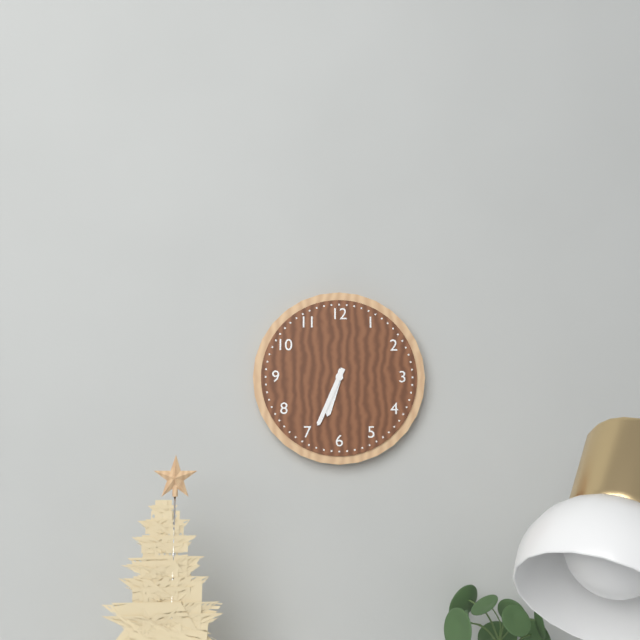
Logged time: {"hour": 6, "minute": 34}
